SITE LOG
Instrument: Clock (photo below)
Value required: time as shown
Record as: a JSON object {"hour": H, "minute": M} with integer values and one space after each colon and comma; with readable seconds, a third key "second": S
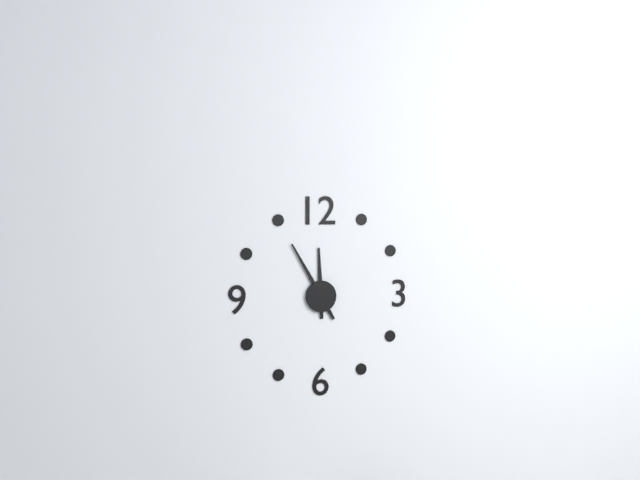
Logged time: {"hour": 11, "minute": 55}
